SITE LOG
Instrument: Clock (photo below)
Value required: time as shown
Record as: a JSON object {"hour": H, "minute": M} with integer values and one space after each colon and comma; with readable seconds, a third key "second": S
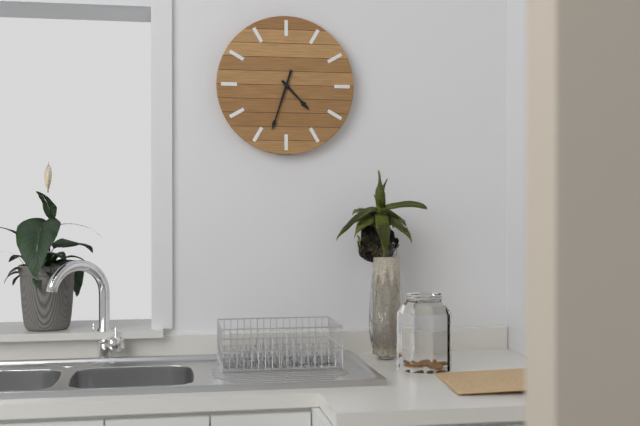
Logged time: {"hour": 4, "minute": 33}
